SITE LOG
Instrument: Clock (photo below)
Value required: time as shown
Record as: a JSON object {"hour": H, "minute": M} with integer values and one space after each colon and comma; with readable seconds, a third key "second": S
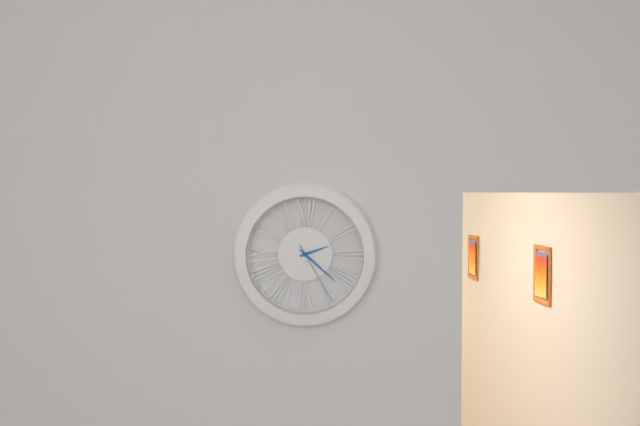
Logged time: {"hour": 2, "minute": 22, "second": 25}
